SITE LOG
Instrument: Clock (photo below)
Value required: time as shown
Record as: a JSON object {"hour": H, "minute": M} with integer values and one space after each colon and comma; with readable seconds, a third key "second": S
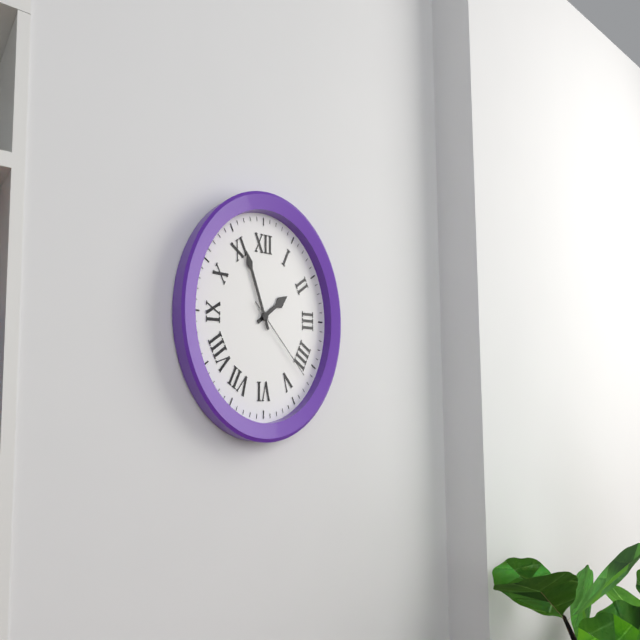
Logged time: {"hour": 1, "minute": 56, "second": 22}
